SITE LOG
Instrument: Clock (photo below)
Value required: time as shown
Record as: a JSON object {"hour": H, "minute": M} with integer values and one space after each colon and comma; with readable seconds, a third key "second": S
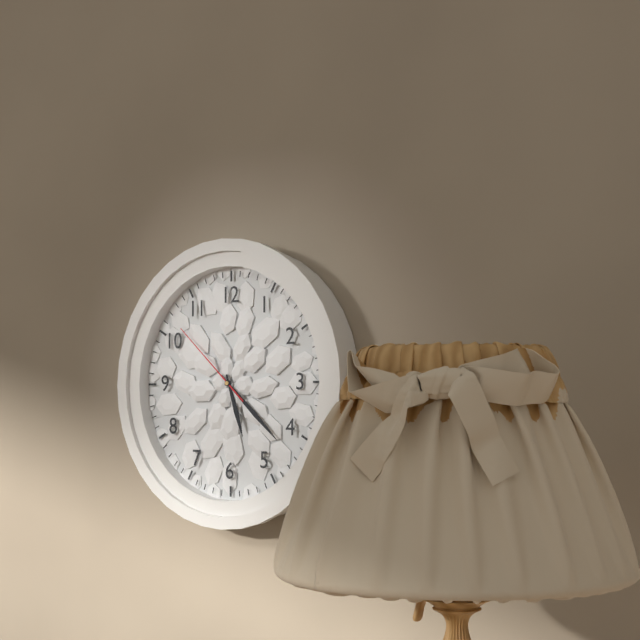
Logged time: {"hour": 5, "minute": 22, "second": 52}
